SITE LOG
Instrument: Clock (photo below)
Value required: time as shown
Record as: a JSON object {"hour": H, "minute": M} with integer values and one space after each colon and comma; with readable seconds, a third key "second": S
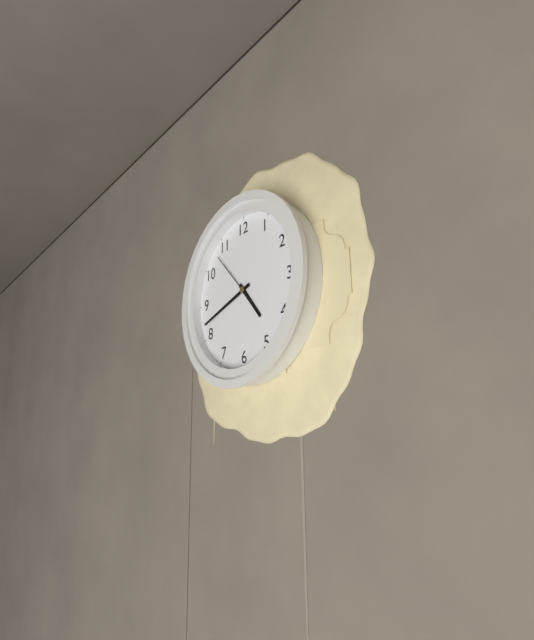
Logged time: {"hour": 4, "minute": 42, "second": 53}
